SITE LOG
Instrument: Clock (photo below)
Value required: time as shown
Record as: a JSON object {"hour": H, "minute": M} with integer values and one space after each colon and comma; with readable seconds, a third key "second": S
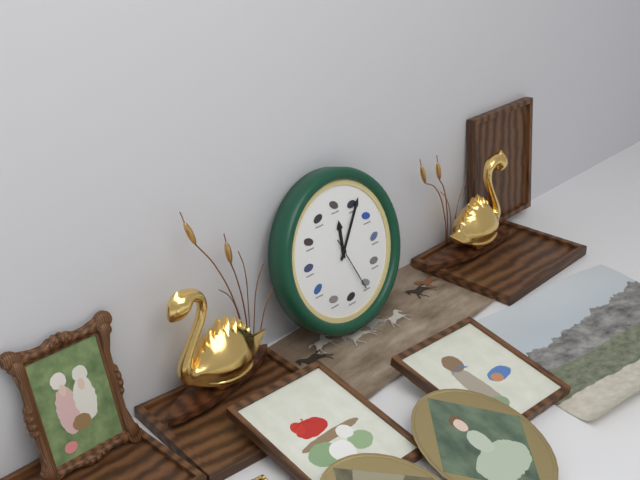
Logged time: {"hour": 12, "minute": 6, "second": 26}
